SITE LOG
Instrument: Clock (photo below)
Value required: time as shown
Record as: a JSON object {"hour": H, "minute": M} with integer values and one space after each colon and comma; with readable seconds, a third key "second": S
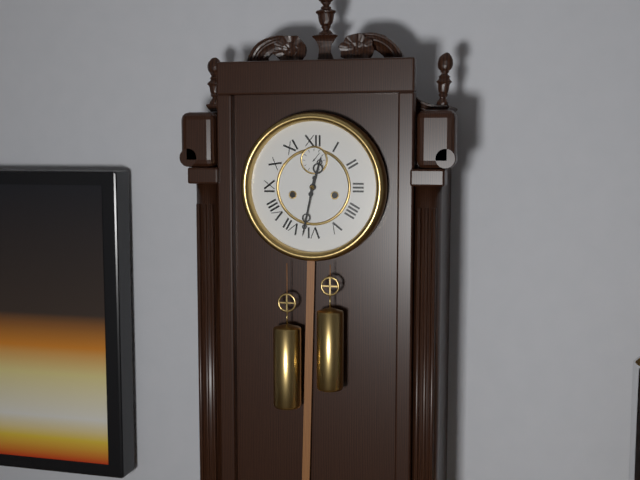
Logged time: {"hour": 12, "minute": 32}
